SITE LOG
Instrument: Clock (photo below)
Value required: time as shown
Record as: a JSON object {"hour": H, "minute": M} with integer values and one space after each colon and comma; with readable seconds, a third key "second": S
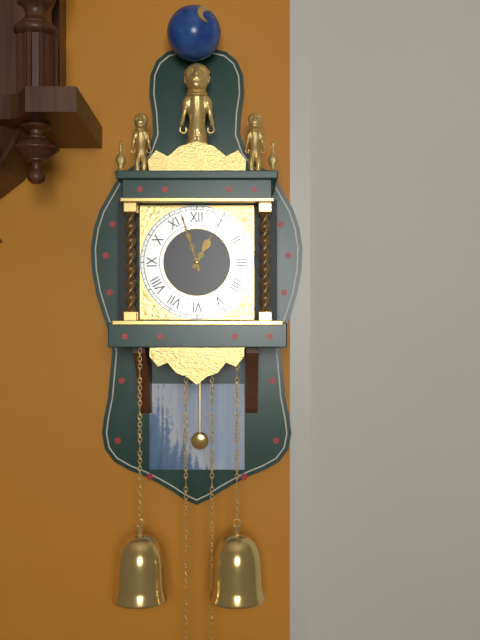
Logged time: {"hour": 12, "minute": 57}
